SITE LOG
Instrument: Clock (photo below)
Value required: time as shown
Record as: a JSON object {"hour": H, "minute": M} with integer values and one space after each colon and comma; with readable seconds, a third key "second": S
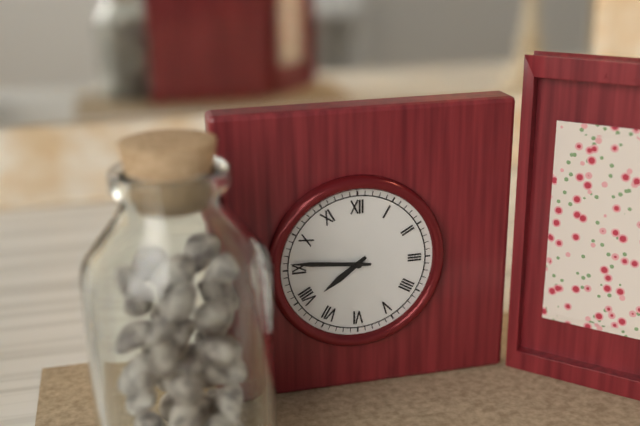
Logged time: {"hour": 7, "minute": 46}
